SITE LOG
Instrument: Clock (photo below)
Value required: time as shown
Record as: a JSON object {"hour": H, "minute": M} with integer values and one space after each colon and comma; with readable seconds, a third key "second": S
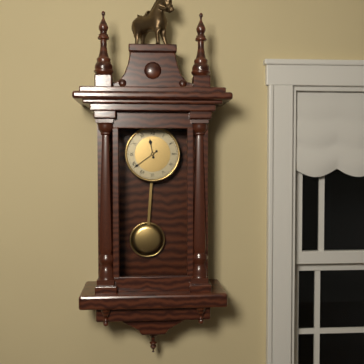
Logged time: {"hour": 11, "minute": 39}
